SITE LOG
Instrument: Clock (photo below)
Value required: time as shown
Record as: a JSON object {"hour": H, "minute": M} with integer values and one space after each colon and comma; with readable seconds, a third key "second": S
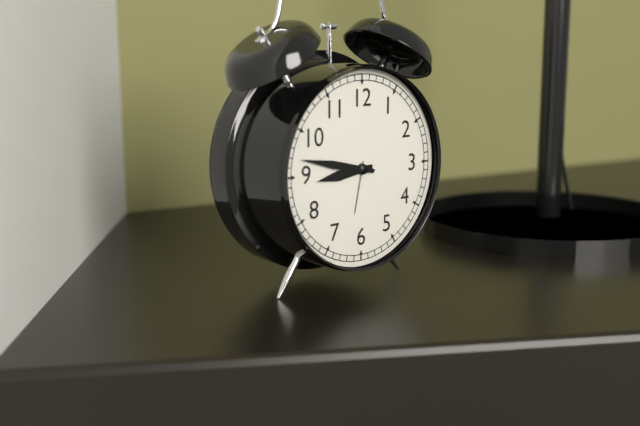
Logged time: {"hour": 8, "minute": 47}
